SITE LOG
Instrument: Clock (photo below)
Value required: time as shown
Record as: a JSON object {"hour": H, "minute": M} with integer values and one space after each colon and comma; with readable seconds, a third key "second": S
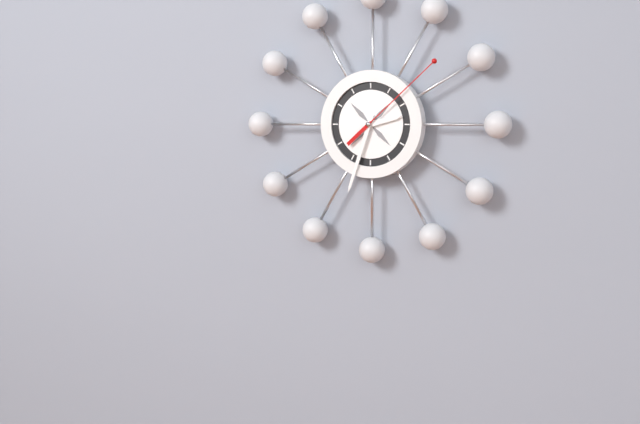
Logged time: {"hour": 2, "minute": 33, "second": 8}
